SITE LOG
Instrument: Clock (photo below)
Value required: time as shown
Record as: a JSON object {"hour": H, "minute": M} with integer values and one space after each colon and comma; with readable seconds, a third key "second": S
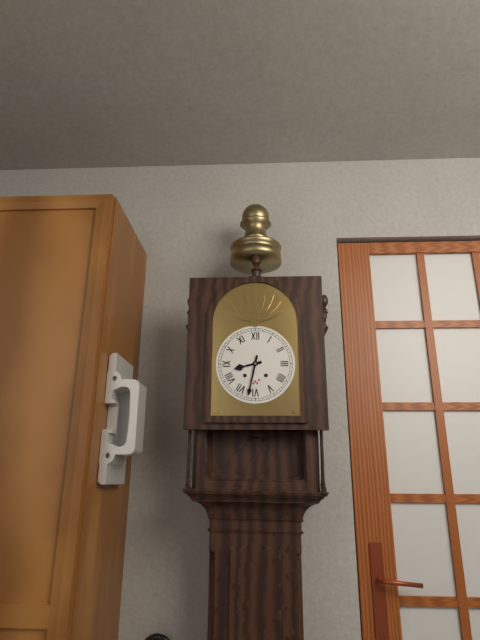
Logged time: {"hour": 8, "minute": 32}
